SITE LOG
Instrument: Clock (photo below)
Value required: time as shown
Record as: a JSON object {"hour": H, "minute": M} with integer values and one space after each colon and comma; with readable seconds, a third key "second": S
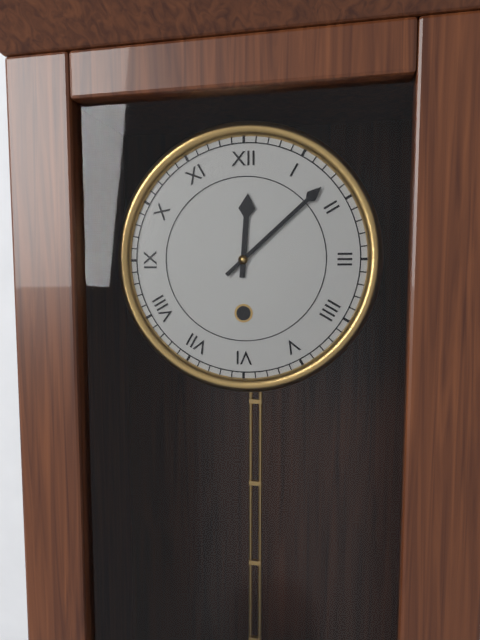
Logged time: {"hour": 12, "minute": 8}
